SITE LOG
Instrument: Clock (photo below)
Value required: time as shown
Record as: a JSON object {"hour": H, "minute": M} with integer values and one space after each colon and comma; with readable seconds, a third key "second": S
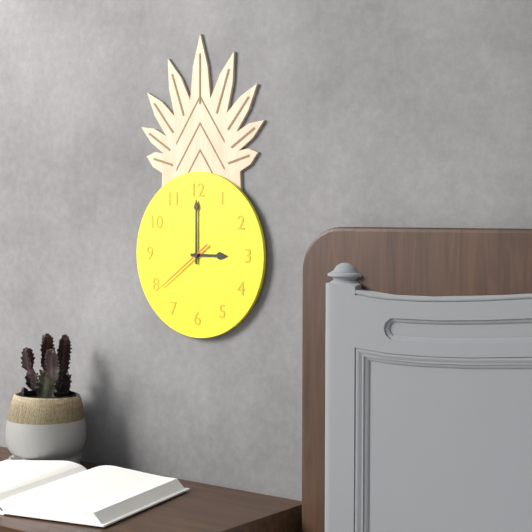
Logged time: {"hour": 3, "minute": 0, "second": 39}
